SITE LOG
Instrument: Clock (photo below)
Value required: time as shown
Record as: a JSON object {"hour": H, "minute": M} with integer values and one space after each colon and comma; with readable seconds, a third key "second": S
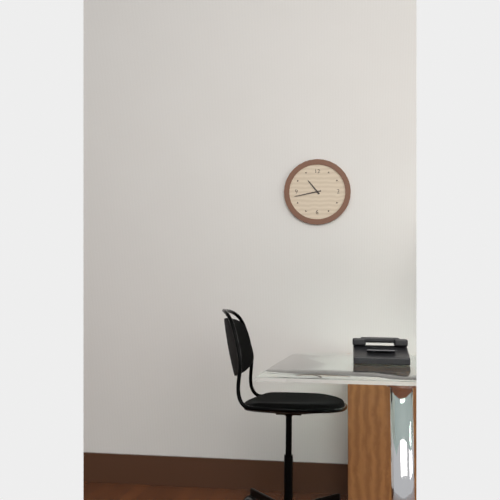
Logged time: {"hour": 10, "minute": 43}
